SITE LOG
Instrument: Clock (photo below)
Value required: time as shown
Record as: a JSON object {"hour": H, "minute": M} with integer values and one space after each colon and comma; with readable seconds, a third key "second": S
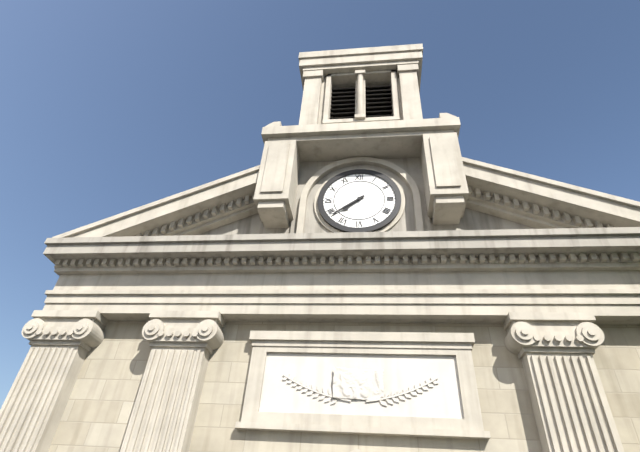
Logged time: {"hour": 7, "minute": 39}
